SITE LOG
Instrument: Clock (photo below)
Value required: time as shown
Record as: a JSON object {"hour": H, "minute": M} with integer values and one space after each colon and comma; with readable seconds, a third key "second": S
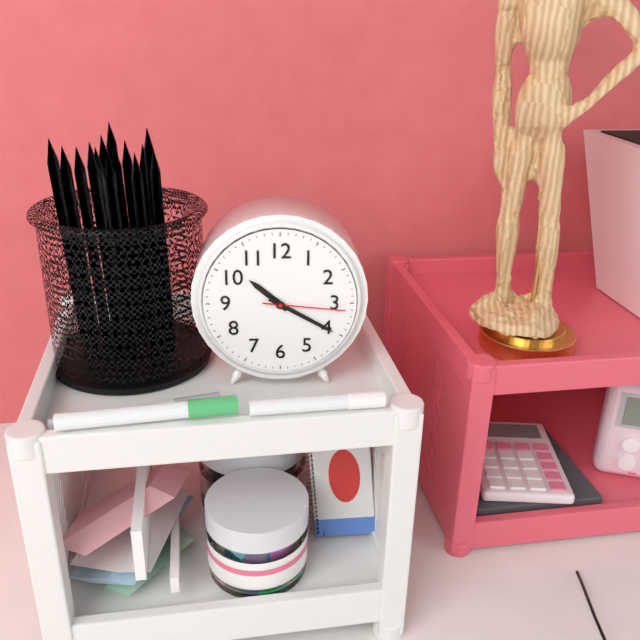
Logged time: {"hour": 10, "minute": 20, "second": 16}
